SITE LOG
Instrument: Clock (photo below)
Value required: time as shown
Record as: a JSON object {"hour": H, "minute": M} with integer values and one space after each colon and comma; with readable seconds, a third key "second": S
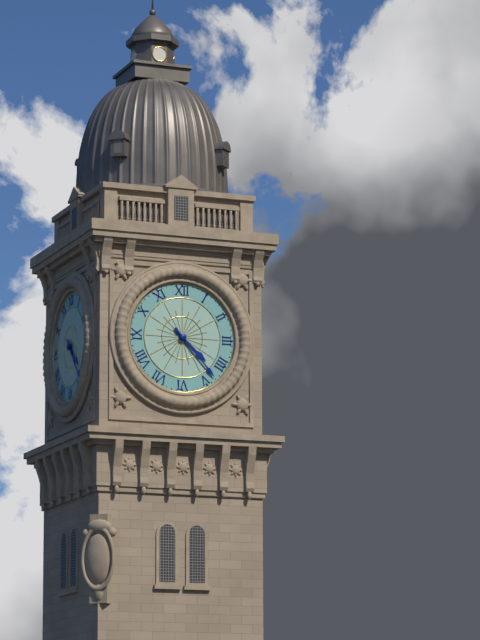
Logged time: {"hour": 4, "minute": 23}
